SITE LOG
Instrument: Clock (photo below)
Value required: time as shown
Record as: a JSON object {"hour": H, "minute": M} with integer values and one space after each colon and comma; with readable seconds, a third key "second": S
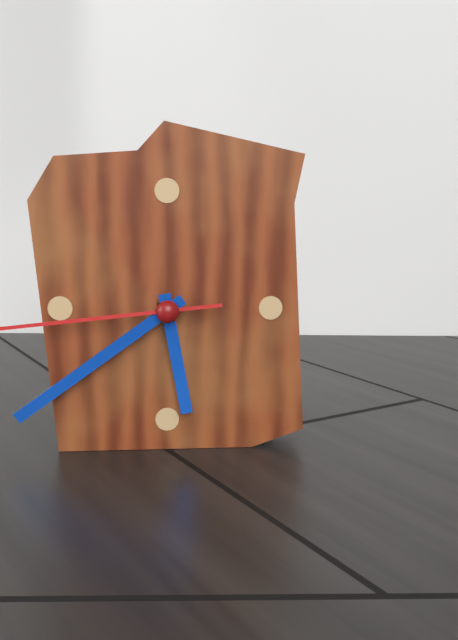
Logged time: {"hour": 5, "minute": 39}
